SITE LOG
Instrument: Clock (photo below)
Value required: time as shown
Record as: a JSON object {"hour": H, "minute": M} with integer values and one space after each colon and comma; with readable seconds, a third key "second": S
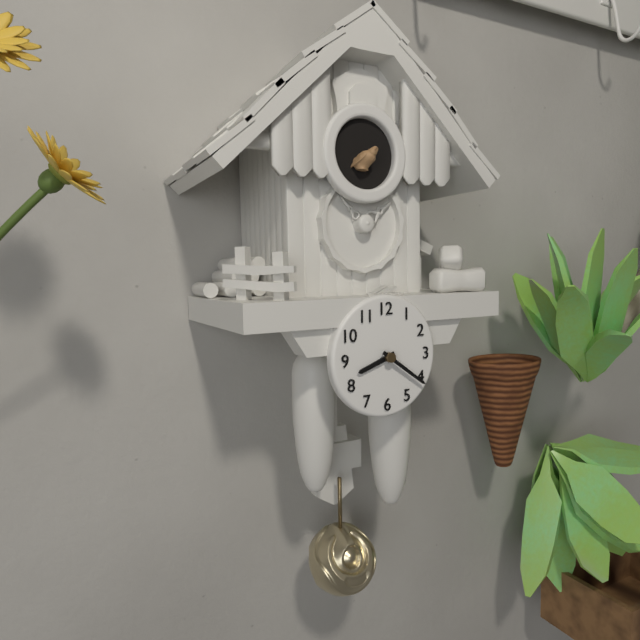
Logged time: {"hour": 8, "minute": 21}
